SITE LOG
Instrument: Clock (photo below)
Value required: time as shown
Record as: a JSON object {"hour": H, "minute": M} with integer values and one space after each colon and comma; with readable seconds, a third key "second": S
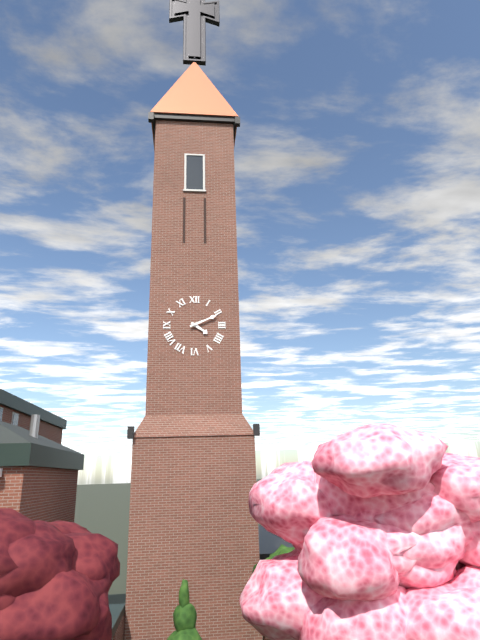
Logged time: {"hour": 4, "minute": 11}
